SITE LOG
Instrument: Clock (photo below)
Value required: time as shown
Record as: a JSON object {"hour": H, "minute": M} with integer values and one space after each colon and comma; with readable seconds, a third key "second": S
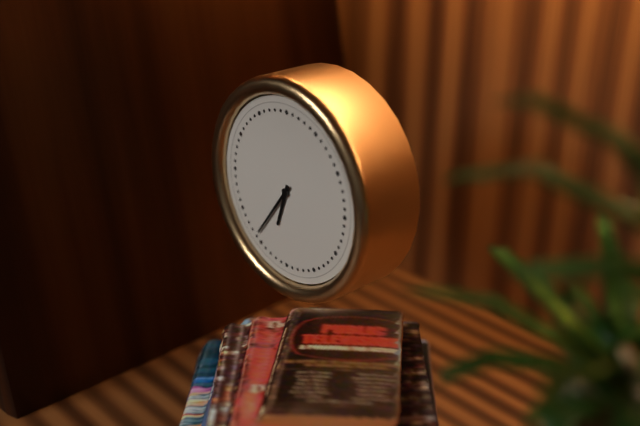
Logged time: {"hour": 6, "minute": 36}
